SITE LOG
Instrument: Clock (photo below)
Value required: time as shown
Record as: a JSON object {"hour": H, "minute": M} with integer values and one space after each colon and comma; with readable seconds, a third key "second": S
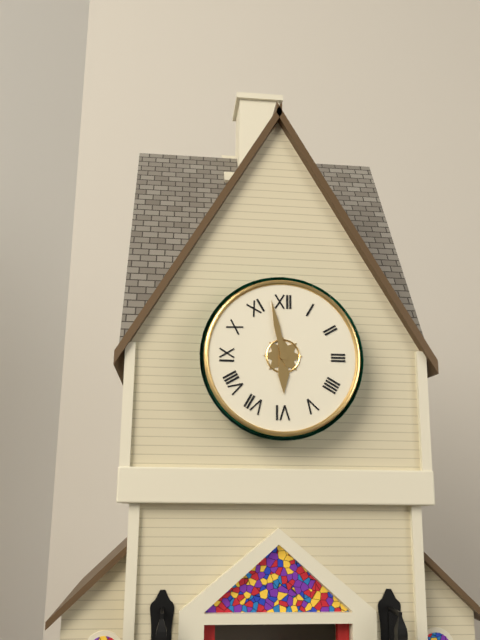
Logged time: {"hour": 5, "minute": 58}
